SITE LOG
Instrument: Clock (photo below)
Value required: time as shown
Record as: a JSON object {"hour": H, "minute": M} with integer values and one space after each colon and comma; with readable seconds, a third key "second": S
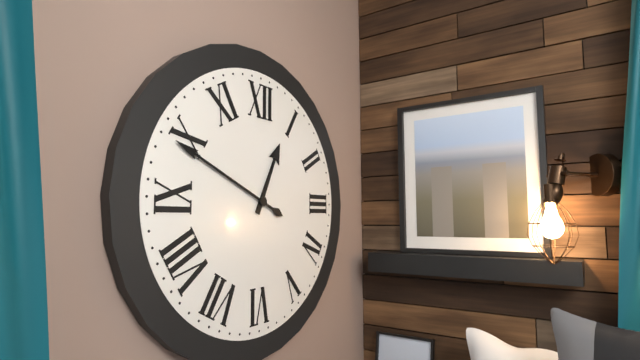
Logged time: {"hour": 12, "minute": 49}
